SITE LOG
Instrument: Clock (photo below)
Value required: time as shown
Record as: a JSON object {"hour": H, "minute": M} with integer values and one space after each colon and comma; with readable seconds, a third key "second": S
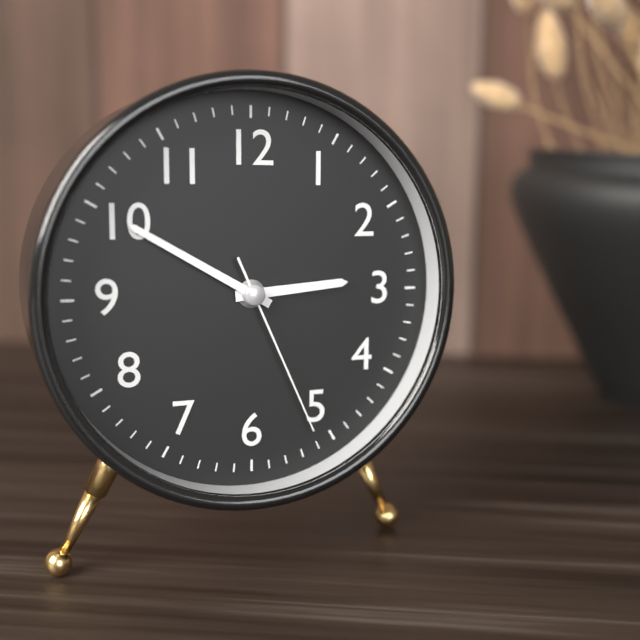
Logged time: {"hour": 2, "minute": 50, "second": 26}
